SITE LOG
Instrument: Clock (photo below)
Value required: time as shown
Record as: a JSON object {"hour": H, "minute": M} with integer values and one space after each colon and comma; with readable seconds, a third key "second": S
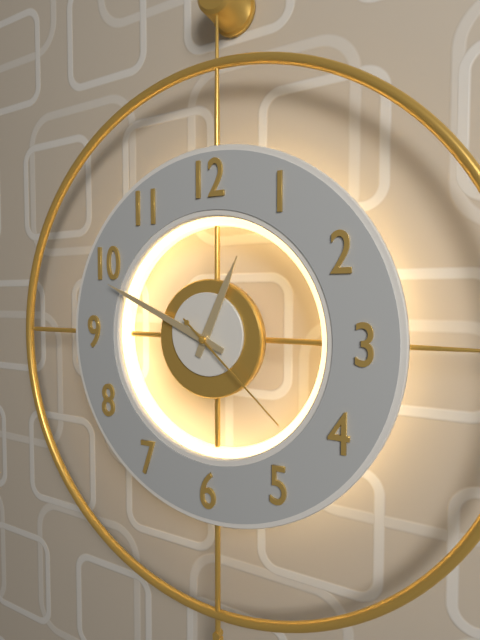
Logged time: {"hour": 12, "minute": 49, "second": 22}
